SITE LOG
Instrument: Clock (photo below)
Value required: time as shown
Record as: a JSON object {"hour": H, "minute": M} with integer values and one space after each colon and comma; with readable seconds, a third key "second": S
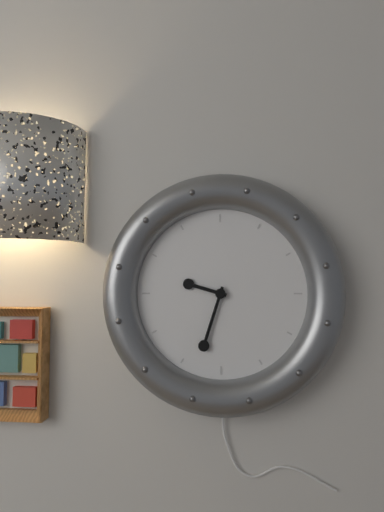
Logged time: {"hour": 9, "minute": 33}
